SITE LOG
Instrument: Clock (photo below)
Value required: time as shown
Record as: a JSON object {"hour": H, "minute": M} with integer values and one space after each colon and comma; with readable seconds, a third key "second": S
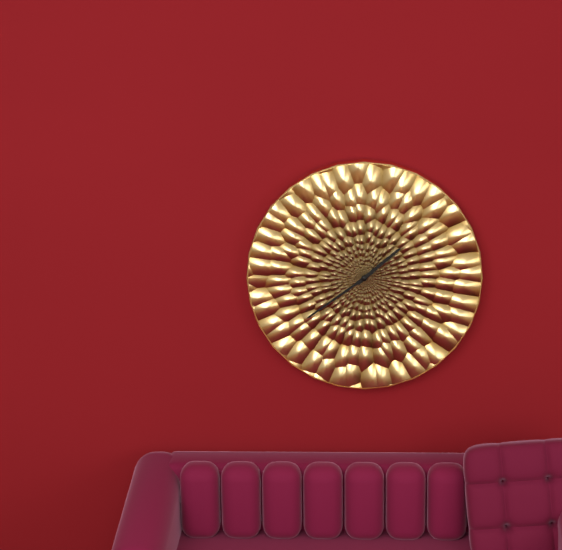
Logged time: {"hour": 1, "minute": 39}
